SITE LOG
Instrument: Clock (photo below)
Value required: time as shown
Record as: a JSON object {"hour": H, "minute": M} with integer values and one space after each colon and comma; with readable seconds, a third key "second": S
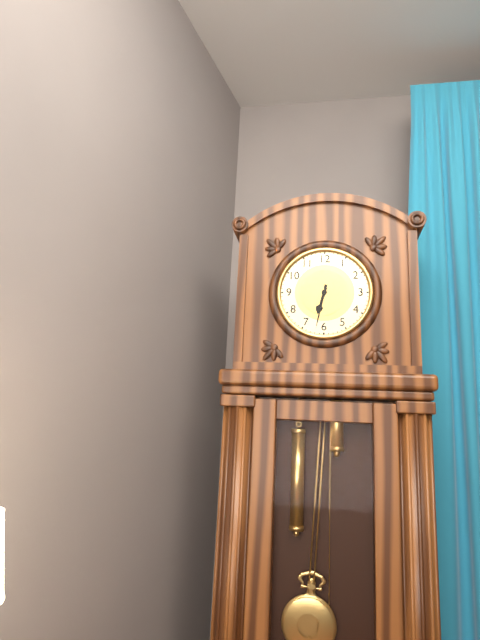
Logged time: {"hour": 6, "minute": 32}
